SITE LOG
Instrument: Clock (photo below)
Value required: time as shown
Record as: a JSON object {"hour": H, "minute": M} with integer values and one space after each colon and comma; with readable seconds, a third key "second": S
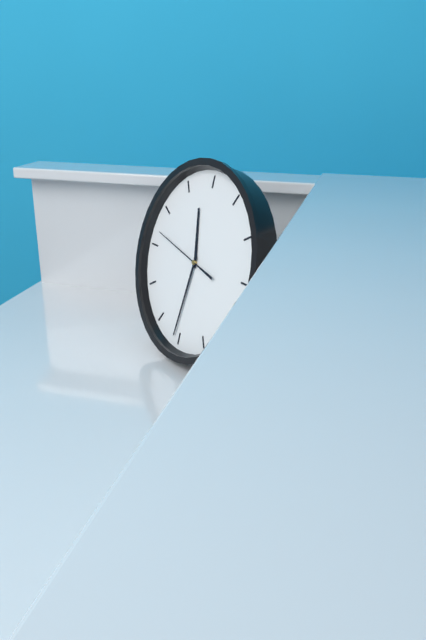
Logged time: {"hour": 11, "minute": 31, "second": 47}
